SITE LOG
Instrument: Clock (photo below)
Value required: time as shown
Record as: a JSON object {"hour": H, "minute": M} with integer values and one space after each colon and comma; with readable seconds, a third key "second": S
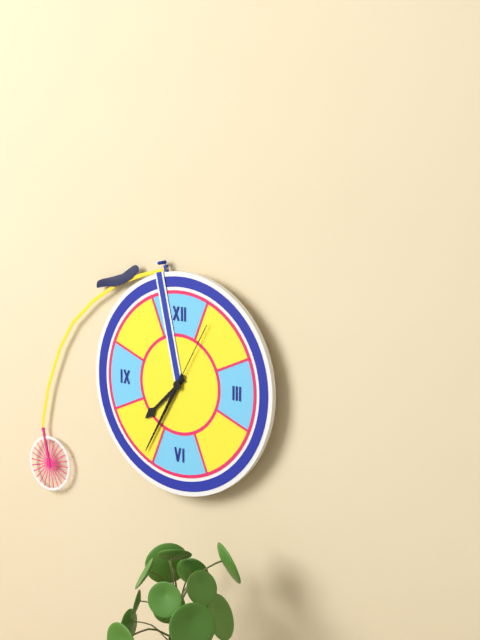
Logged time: {"hour": 7, "minute": 35, "second": 5}
